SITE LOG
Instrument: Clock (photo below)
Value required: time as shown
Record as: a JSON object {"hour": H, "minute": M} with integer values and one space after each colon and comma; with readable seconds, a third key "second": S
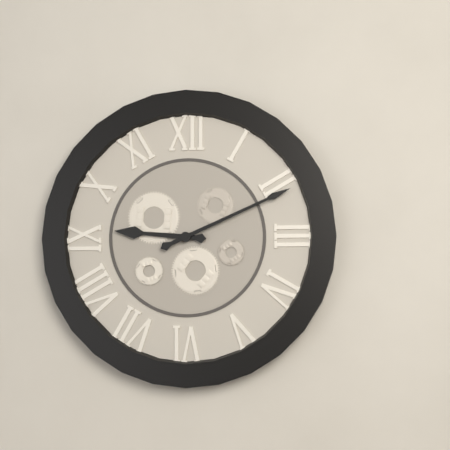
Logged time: {"hour": 9, "minute": 11}
